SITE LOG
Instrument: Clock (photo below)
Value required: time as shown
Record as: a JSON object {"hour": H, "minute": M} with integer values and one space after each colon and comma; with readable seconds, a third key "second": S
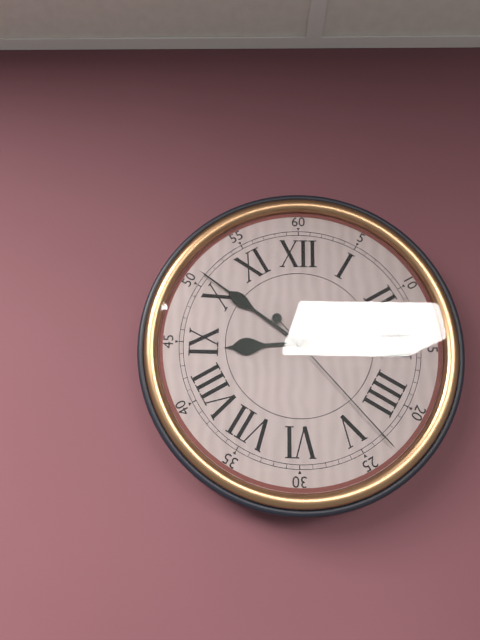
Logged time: {"hour": 8, "minute": 51, "second": 23}
